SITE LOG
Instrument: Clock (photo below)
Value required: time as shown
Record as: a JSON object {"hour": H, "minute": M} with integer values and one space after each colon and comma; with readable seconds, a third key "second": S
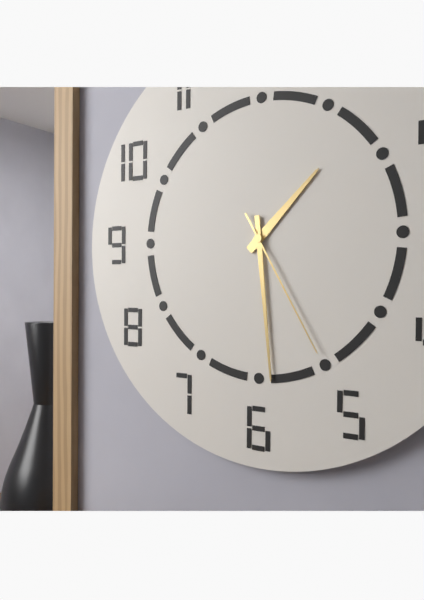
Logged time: {"hour": 1, "minute": 29, "second": 25}
